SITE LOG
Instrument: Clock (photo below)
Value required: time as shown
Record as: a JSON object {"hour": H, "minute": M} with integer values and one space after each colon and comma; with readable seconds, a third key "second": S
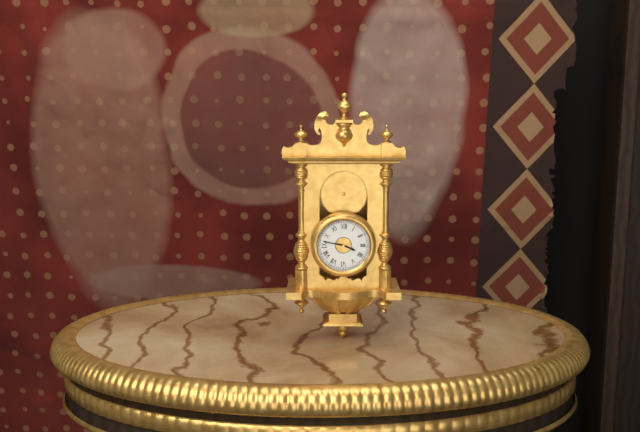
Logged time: {"hour": 3, "minute": 47}
